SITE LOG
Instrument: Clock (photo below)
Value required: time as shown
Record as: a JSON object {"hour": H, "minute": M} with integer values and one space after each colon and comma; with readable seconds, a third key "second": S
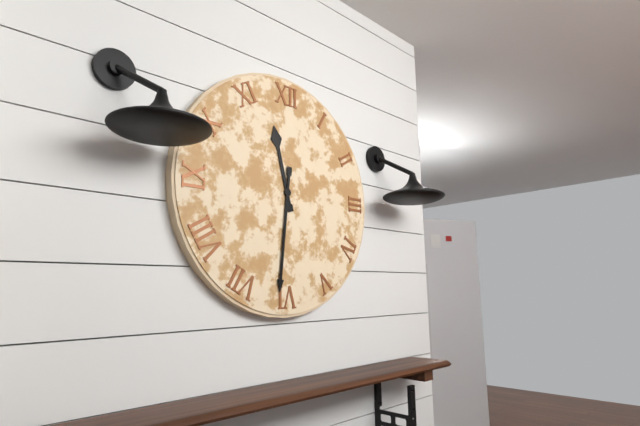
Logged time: {"hour": 11, "minute": 31}
